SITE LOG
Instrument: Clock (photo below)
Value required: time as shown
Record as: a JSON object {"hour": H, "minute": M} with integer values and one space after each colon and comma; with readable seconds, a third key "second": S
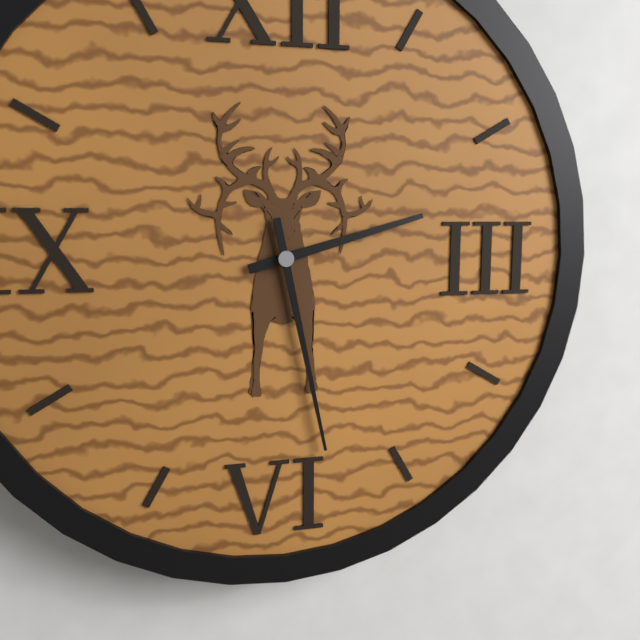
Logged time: {"hour": 2, "minute": 28}
